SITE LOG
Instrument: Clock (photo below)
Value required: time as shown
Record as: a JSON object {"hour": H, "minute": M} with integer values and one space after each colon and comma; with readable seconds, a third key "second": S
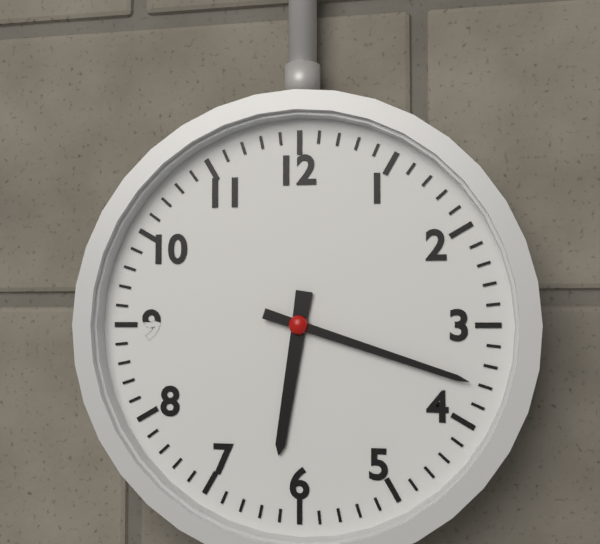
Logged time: {"hour": 6, "minute": 18}
